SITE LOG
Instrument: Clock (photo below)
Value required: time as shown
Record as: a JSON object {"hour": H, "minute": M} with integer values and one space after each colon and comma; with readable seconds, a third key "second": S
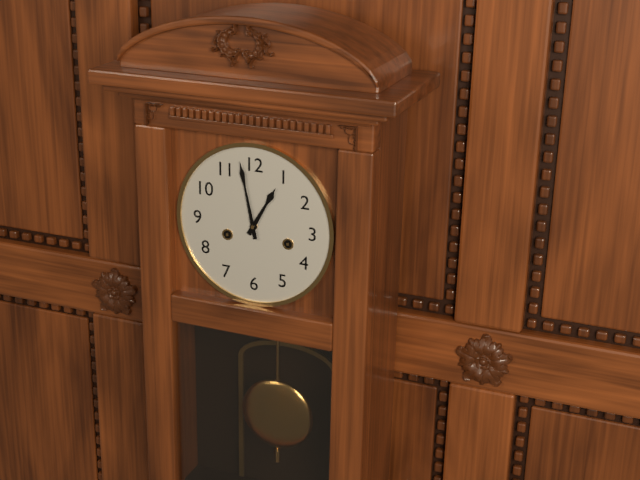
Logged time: {"hour": 12, "minute": 58}
